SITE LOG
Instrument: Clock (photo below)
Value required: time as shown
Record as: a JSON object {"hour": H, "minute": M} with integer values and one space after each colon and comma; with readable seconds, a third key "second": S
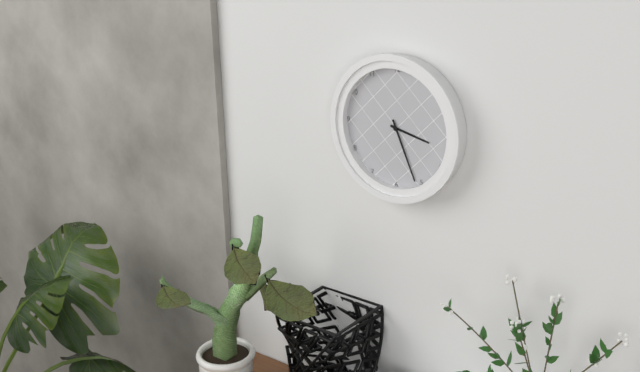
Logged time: {"hour": 3, "minute": 26}
